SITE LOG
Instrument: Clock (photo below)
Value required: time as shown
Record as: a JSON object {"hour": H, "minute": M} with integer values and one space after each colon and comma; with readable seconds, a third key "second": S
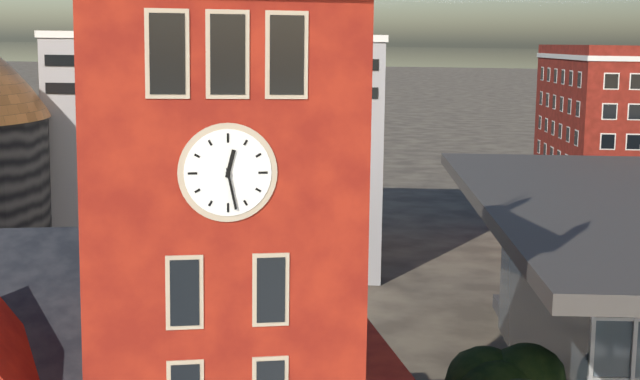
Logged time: {"hour": 12, "minute": 28}
